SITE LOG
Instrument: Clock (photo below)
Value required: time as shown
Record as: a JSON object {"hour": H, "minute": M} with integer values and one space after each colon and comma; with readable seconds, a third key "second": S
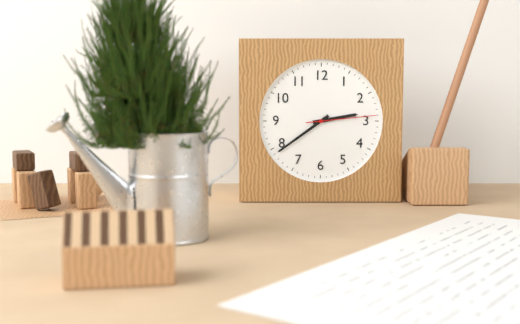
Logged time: {"hour": 2, "minute": 39, "second": 14}
